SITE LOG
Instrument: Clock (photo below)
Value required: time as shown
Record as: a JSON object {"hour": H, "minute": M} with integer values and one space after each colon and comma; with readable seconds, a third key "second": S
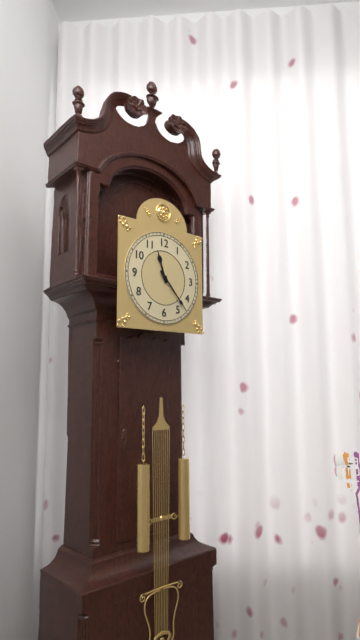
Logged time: {"hour": 11, "minute": 23}
